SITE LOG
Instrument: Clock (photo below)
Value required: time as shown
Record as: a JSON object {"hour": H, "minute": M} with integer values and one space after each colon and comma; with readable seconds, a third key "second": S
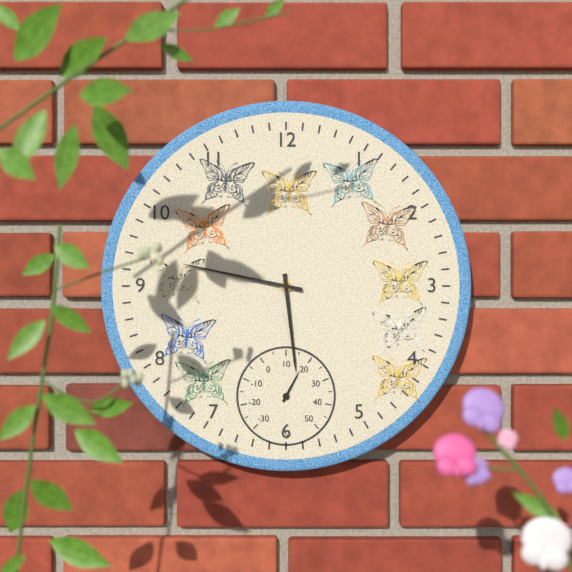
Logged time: {"hour": 5, "minute": 47}
